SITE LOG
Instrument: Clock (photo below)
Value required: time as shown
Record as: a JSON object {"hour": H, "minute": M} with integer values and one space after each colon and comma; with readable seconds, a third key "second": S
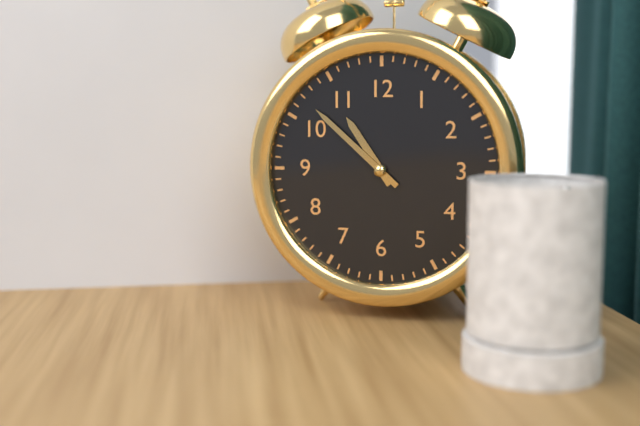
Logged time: {"hour": 10, "minute": 52}
